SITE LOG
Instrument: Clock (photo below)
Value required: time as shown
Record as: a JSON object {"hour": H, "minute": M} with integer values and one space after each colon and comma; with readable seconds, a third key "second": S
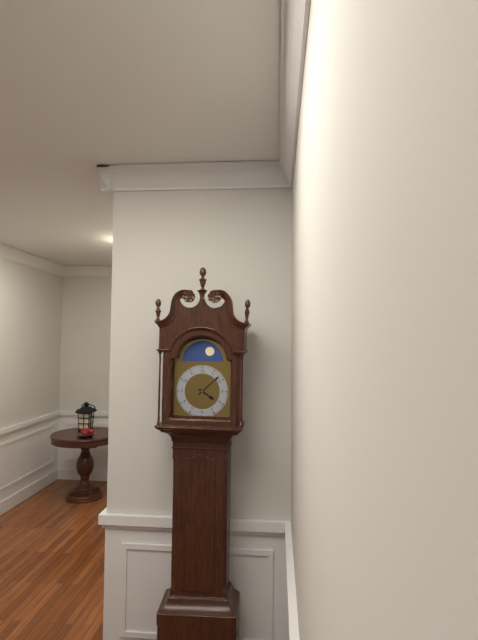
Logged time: {"hour": 4, "minute": 8}
